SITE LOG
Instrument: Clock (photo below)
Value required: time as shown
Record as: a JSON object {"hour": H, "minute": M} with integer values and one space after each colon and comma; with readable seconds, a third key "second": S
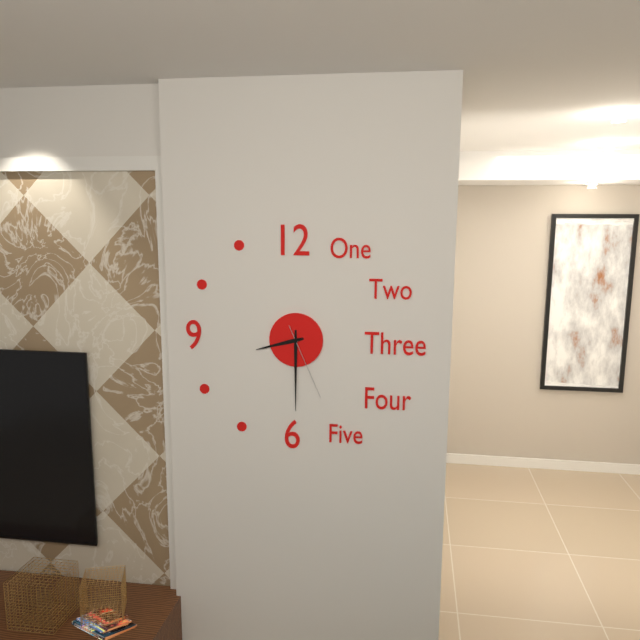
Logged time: {"hour": 8, "minute": 30, "second": 26}
